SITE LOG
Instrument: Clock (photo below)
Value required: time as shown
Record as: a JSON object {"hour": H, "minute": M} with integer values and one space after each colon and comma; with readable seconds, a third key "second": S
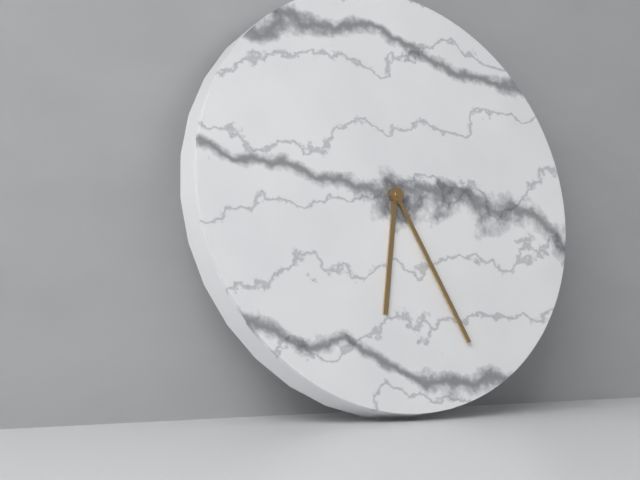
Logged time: {"hour": 6, "minute": 26}
